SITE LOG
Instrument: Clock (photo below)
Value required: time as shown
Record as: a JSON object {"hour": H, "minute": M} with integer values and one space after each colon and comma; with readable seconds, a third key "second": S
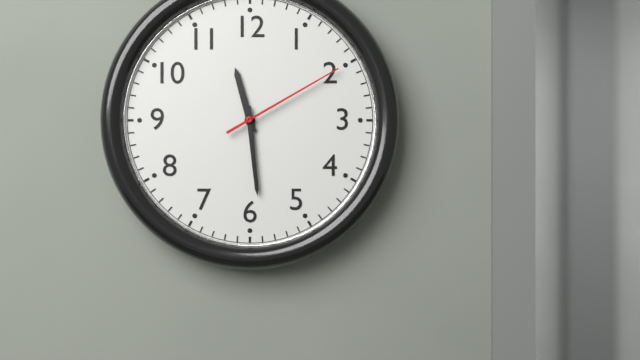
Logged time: {"hour": 11, "minute": 29, "second": 10}
